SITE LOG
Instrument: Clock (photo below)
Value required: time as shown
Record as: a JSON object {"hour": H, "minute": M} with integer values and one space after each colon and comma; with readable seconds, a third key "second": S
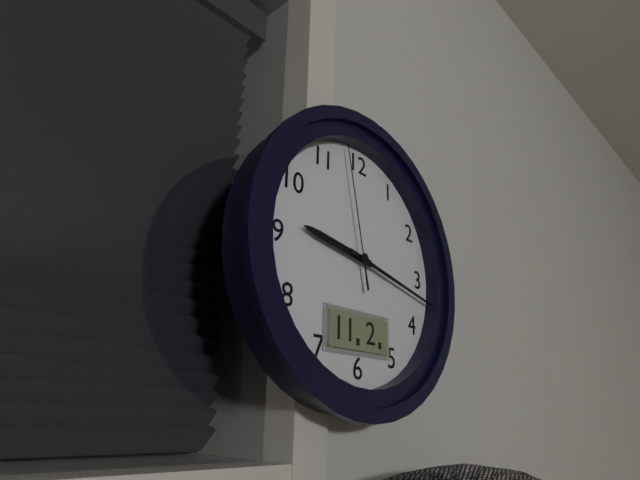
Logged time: {"hour": 9, "minute": 17, "second": 58}
